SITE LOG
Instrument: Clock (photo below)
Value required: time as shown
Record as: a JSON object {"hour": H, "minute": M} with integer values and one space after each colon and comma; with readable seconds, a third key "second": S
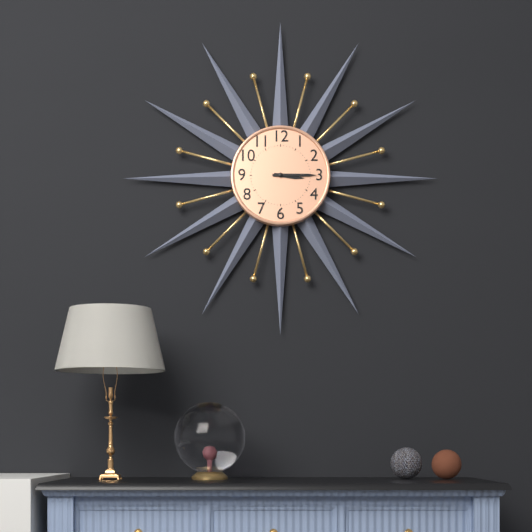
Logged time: {"hour": 3, "minute": 15}
